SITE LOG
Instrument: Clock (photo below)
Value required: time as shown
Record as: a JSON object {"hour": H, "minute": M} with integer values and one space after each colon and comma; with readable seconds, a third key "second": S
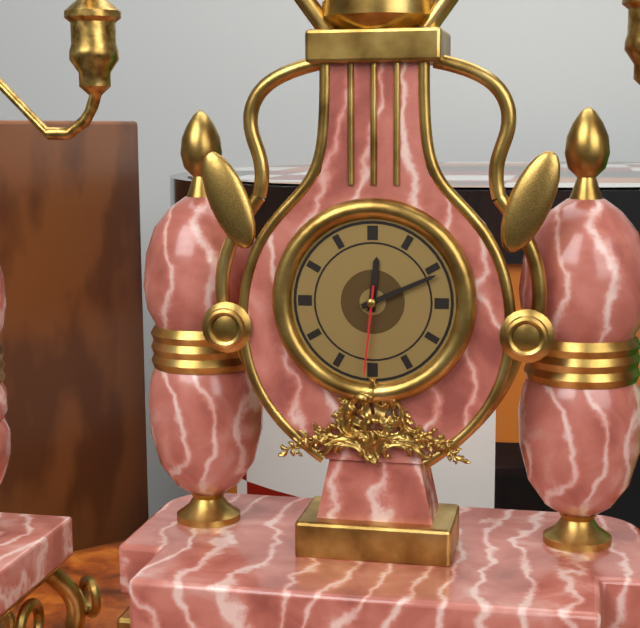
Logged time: {"hour": 12, "minute": 11, "second": 31}
